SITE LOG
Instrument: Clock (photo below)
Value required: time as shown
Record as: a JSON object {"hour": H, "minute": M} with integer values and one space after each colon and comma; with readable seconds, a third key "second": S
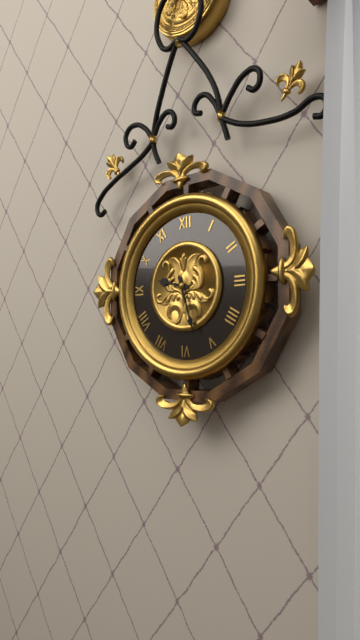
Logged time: {"hour": 9, "minute": 27}
